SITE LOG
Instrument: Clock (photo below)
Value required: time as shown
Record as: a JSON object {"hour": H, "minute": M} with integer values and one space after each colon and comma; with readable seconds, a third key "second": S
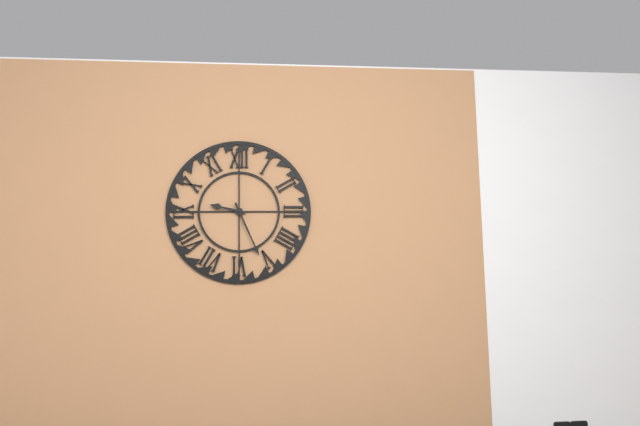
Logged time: {"hour": 9, "minute": 26}
